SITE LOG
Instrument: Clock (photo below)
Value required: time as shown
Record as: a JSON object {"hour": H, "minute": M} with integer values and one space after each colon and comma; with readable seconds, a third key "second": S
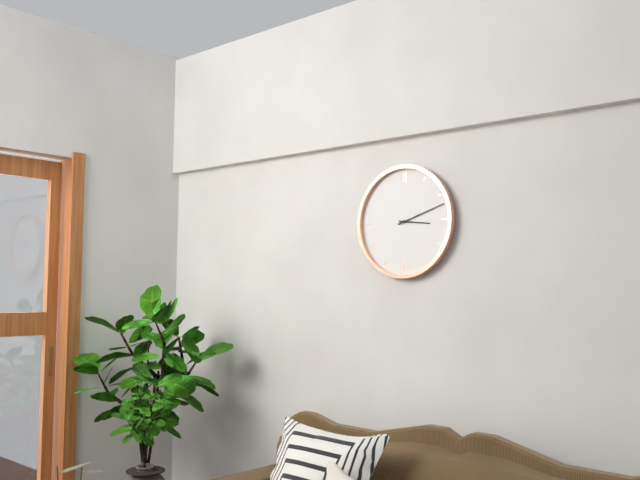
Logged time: {"hour": 3, "minute": 12}
